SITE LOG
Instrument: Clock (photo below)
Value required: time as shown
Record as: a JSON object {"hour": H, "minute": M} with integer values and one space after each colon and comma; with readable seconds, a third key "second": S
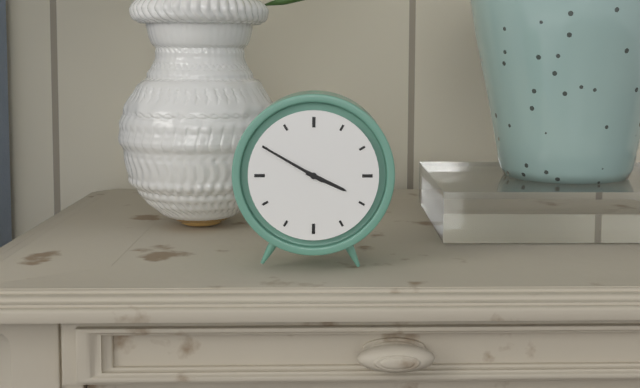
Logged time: {"hour": 3, "minute": 50}
